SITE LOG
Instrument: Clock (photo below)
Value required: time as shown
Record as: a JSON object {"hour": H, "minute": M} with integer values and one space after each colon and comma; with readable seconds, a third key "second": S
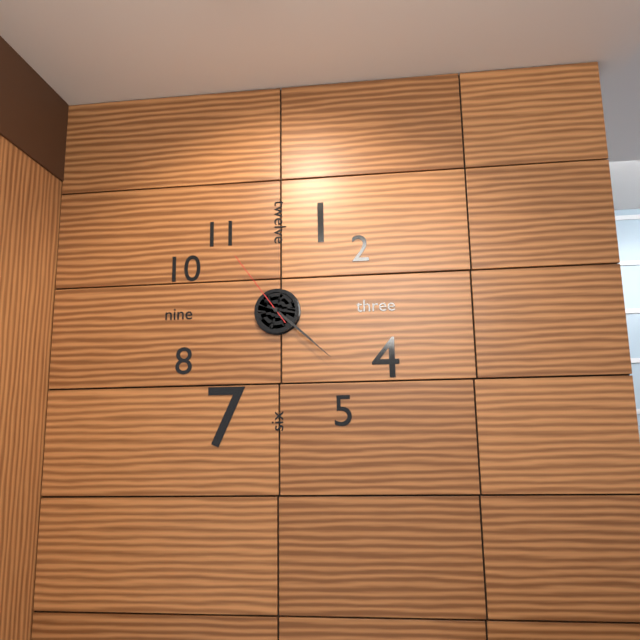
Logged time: {"hour": 4, "minute": 22, "second": 54}
